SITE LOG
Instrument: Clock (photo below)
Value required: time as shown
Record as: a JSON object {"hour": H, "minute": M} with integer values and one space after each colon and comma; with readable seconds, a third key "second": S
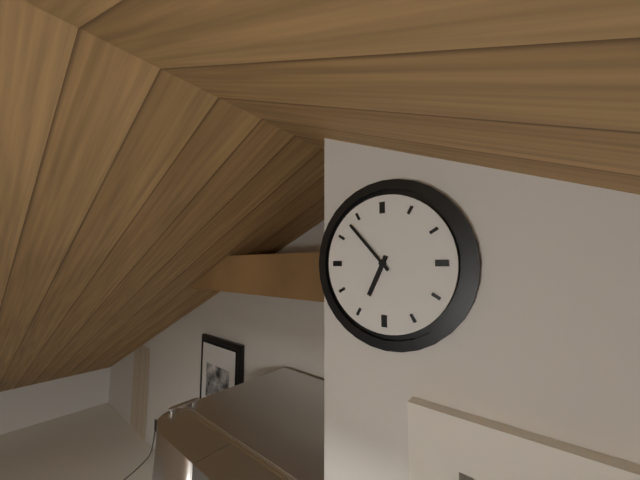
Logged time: {"hour": 6, "minute": 53}
